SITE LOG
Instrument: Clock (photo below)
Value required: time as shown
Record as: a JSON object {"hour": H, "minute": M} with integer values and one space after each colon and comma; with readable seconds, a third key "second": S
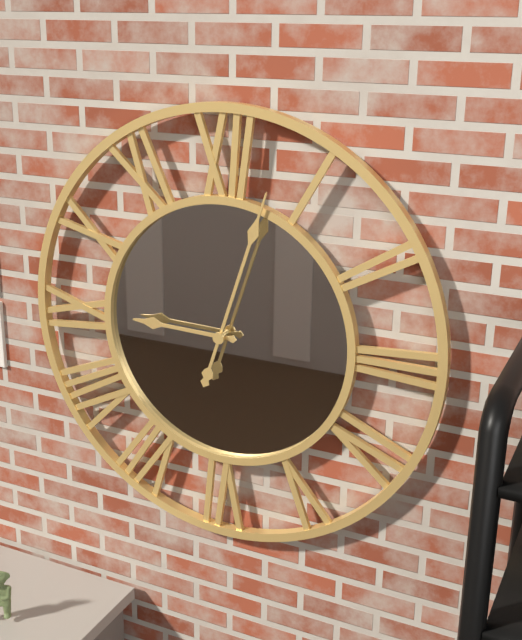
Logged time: {"hour": 9, "minute": 3}
